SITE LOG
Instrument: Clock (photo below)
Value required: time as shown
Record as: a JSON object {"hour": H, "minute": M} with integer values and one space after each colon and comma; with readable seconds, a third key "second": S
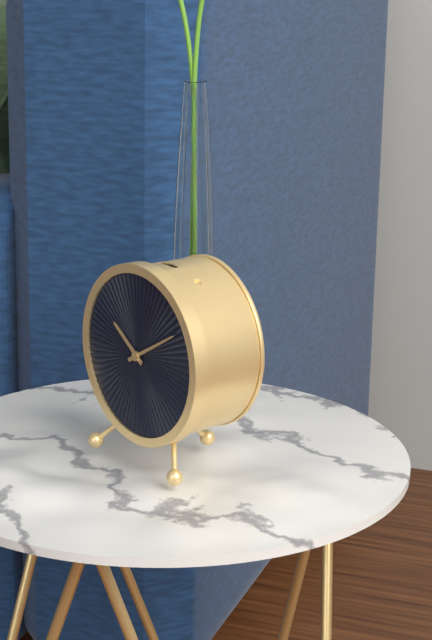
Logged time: {"hour": 10, "minute": 10}
